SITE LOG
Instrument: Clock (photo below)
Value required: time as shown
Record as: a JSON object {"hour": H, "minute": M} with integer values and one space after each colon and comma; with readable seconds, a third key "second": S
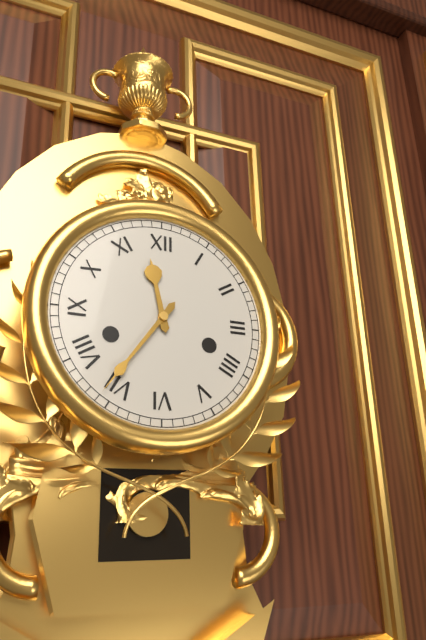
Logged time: {"hour": 11, "minute": 36}
